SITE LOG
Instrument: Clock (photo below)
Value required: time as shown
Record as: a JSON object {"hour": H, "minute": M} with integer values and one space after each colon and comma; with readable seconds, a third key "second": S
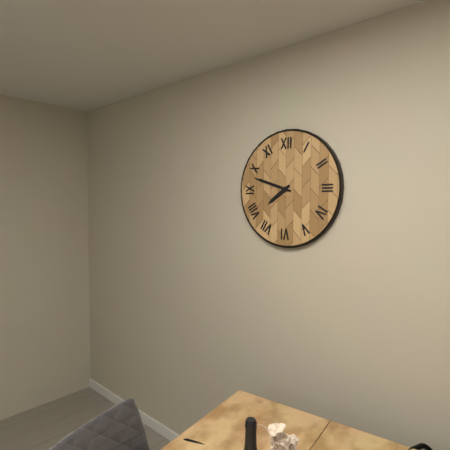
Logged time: {"hour": 7, "minute": 48}
